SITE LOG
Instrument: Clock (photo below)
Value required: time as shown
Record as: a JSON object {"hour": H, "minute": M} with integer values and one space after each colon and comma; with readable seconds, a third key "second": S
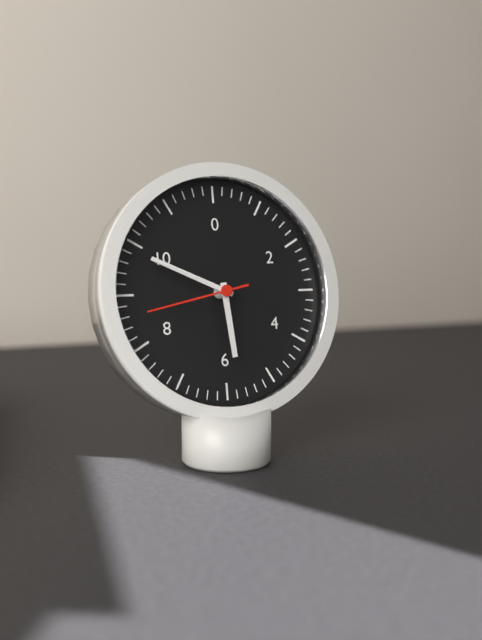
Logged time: {"hour": 5, "minute": 49, "second": 43}
